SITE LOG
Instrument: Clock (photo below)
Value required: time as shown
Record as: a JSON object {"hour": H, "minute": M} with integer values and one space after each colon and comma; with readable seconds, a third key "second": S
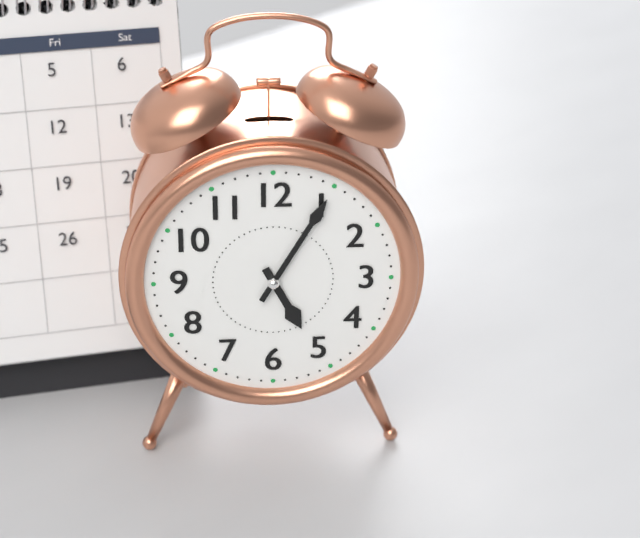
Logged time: {"hour": 5, "minute": 5}
